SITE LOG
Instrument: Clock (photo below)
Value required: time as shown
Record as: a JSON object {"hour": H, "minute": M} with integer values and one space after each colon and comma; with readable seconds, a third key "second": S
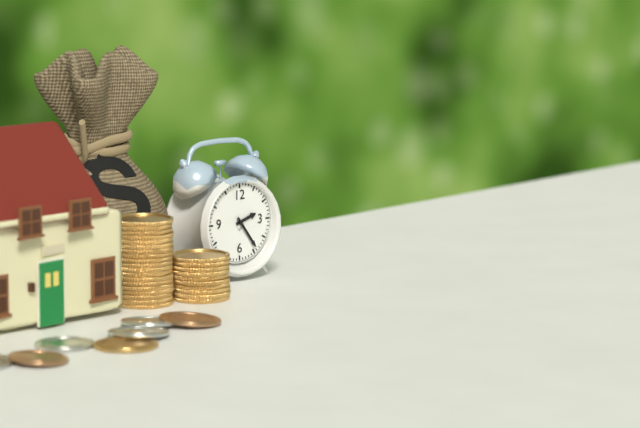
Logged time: {"hour": 2, "minute": 24}
